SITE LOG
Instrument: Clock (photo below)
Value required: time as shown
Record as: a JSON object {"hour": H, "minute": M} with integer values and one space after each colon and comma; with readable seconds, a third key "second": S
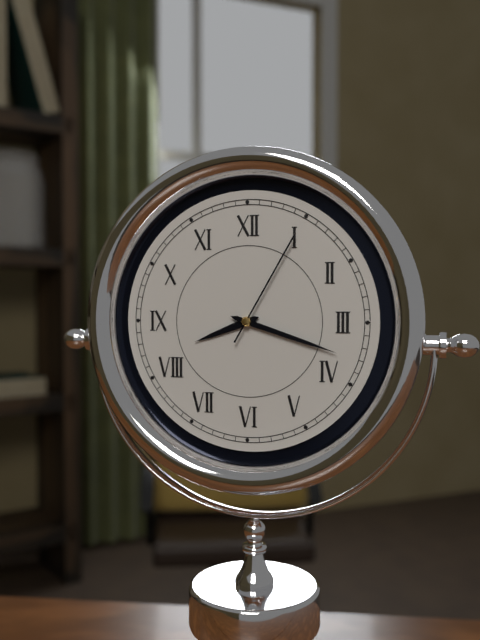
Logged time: {"hour": 8, "minute": 18, "second": 5}
